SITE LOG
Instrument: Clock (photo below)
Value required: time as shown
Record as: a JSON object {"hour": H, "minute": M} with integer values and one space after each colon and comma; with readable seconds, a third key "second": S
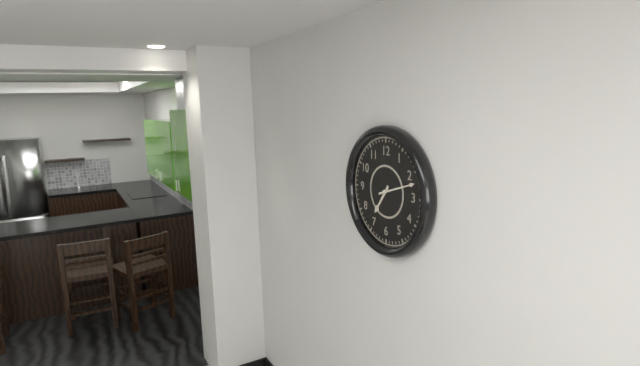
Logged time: {"hour": 7, "minute": 12}
